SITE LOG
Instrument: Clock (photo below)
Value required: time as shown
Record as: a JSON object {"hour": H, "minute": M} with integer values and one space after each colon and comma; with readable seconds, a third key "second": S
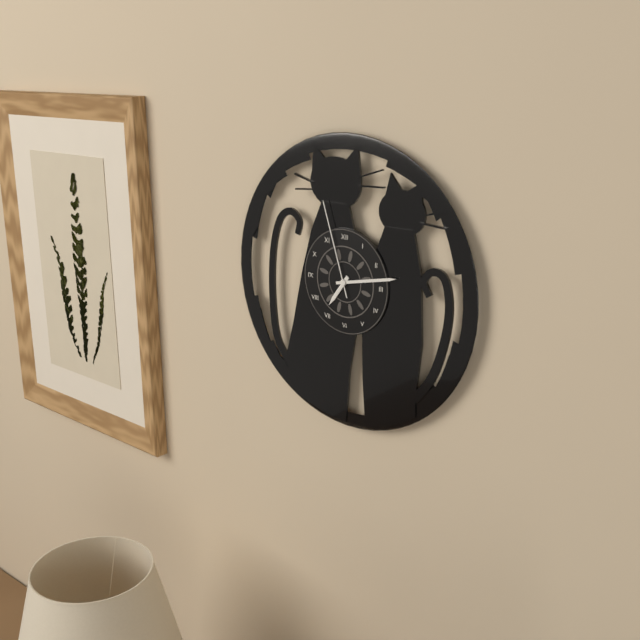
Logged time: {"hour": 7, "minute": 13, "second": 57}
